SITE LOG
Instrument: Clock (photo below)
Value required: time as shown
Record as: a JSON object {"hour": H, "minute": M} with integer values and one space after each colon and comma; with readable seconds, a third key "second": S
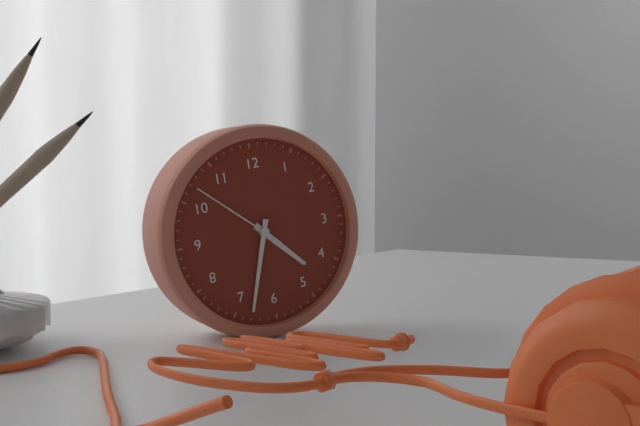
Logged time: {"hour": 4, "minute": 33, "second": 52}
